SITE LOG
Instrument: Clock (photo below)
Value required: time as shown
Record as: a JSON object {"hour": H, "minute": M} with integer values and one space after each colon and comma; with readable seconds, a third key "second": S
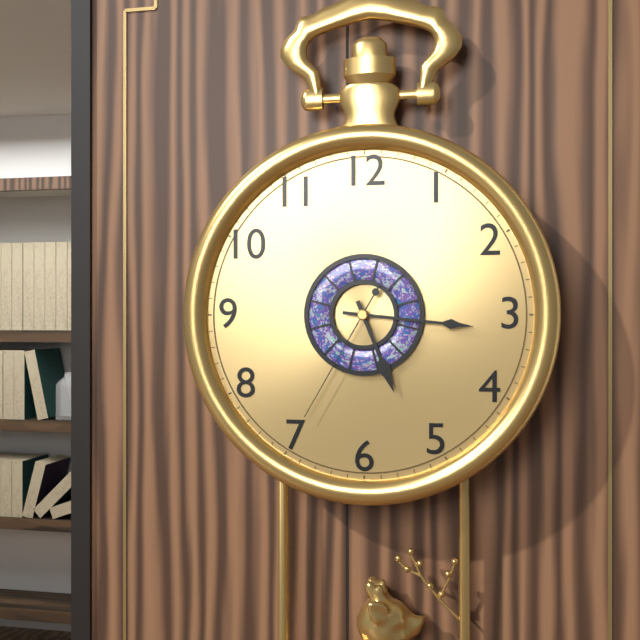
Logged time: {"hour": 5, "minute": 16, "second": 35}
